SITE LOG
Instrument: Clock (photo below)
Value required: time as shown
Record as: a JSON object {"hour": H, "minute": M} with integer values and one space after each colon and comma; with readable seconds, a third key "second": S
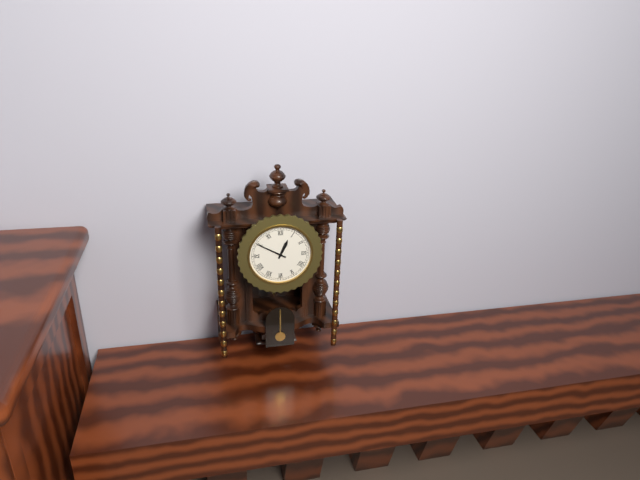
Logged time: {"hour": 12, "minute": 50}
